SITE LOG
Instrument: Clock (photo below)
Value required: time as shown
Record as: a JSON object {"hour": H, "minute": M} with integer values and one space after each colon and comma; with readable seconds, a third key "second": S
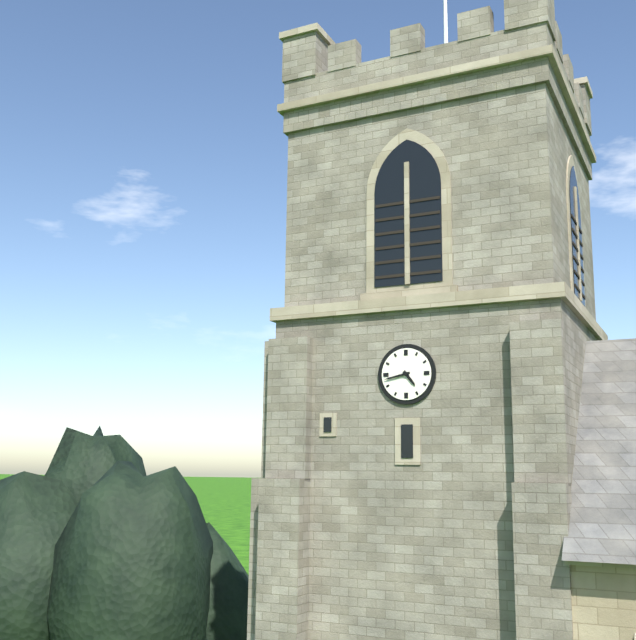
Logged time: {"hour": 4, "minute": 43}
